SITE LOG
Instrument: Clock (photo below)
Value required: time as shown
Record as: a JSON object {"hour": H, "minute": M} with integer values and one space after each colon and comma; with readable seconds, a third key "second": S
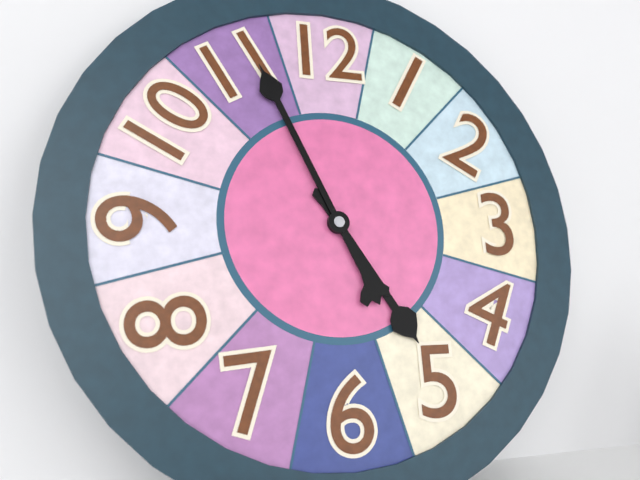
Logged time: {"hour": 4, "minute": 56}
